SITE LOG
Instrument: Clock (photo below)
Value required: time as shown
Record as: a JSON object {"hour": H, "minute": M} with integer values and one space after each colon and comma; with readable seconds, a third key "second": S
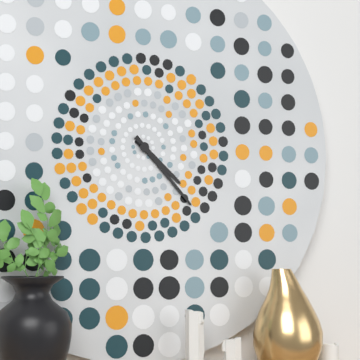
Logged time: {"hour": 4, "minute": 23}
